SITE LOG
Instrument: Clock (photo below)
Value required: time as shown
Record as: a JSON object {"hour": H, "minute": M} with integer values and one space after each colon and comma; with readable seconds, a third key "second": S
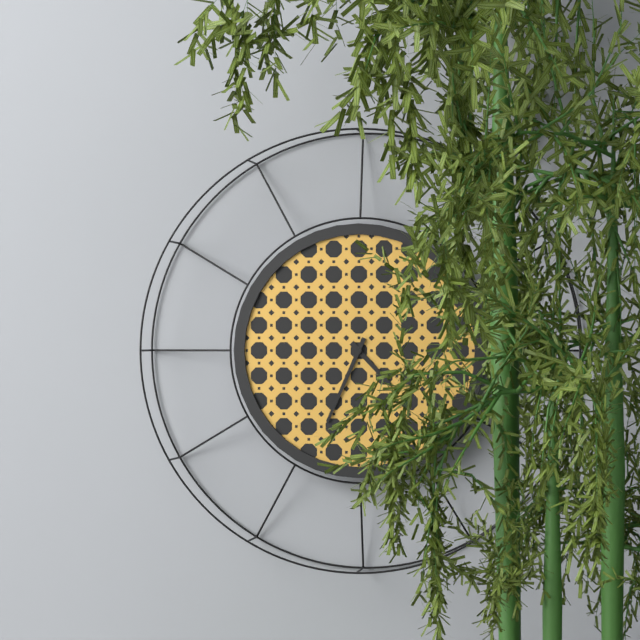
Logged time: {"hour": 4, "minute": 34}
